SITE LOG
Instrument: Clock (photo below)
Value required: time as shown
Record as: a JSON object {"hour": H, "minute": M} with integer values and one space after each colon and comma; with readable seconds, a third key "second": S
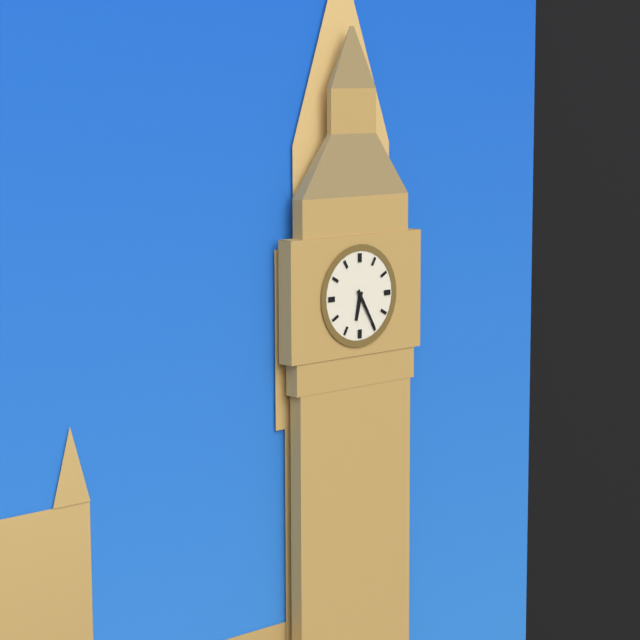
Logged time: {"hour": 6, "minute": 25}
